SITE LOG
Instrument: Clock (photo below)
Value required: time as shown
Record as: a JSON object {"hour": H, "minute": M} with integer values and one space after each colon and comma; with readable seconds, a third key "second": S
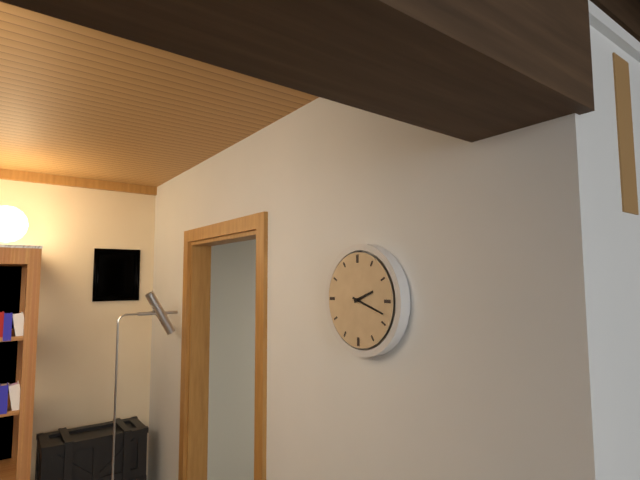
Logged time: {"hour": 2, "minute": 18}
